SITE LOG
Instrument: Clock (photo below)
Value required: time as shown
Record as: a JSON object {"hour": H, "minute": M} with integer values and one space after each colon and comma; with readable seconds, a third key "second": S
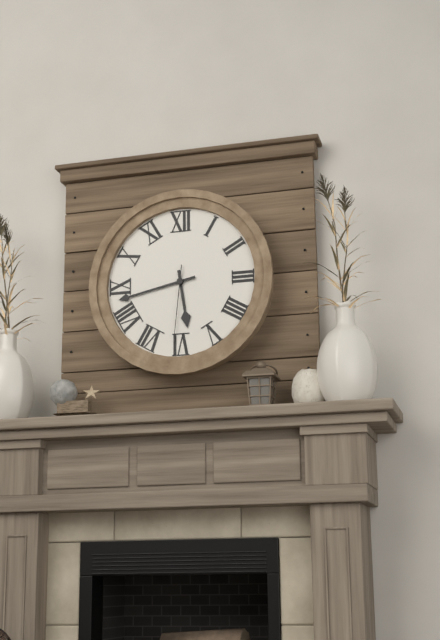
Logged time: {"hour": 5, "minute": 43, "second": 31}
